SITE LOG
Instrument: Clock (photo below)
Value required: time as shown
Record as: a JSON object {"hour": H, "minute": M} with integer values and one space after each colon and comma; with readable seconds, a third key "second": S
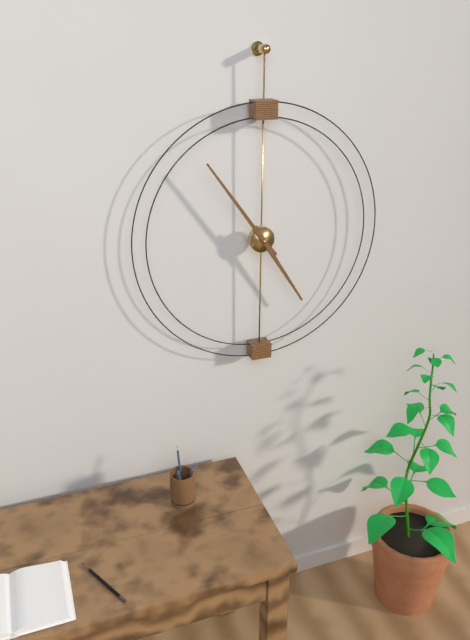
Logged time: {"hour": 4, "minute": 54}
